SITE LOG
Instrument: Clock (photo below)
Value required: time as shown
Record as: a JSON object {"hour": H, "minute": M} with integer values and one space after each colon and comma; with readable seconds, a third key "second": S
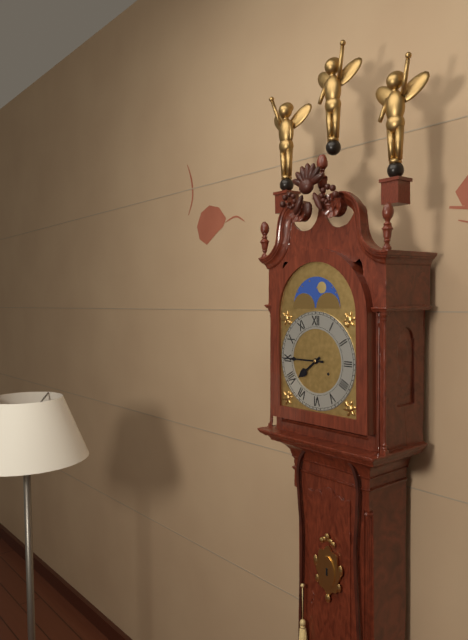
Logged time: {"hour": 7, "minute": 45}
